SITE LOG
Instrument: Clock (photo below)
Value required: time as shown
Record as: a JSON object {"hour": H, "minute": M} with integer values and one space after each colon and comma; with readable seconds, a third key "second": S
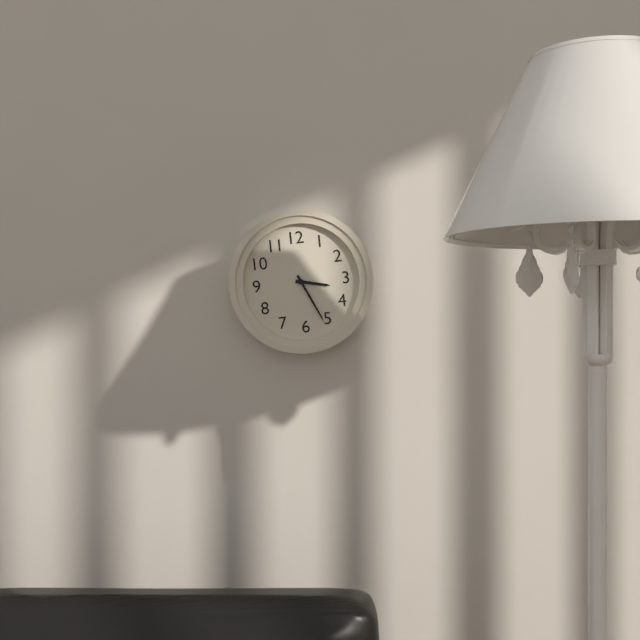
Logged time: {"hour": 3, "minute": 26}
